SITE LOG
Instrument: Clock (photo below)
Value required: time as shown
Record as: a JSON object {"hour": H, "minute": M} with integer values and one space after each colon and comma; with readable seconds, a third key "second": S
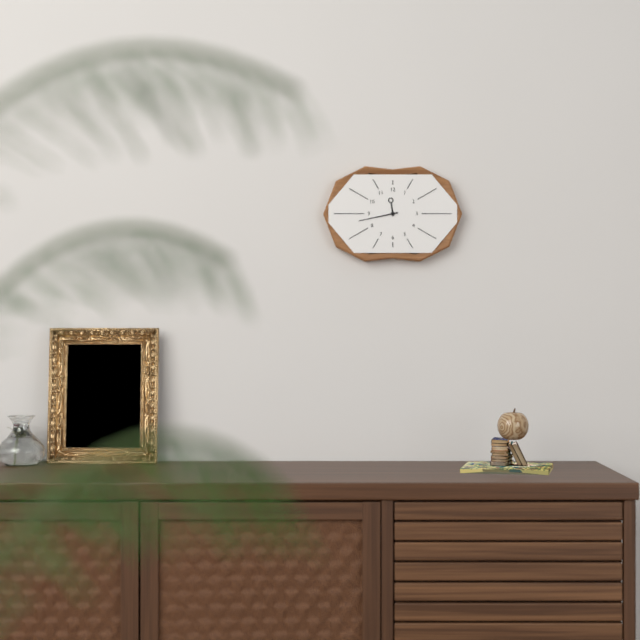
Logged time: {"hour": 11, "minute": 43}
